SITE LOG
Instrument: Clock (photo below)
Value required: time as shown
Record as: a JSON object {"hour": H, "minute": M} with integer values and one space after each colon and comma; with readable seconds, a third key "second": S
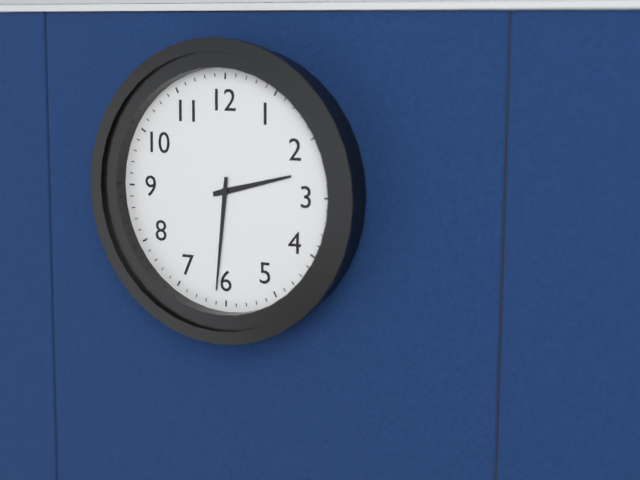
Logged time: {"hour": 2, "minute": 31}
